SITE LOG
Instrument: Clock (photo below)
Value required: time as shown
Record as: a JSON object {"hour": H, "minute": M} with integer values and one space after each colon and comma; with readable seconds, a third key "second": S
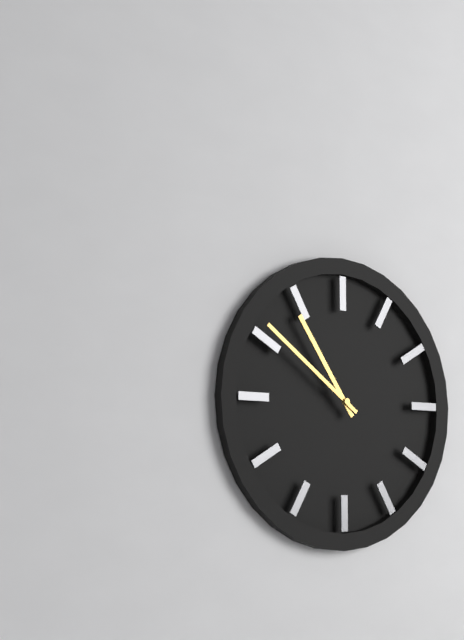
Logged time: {"hour": 10, "minute": 51}
